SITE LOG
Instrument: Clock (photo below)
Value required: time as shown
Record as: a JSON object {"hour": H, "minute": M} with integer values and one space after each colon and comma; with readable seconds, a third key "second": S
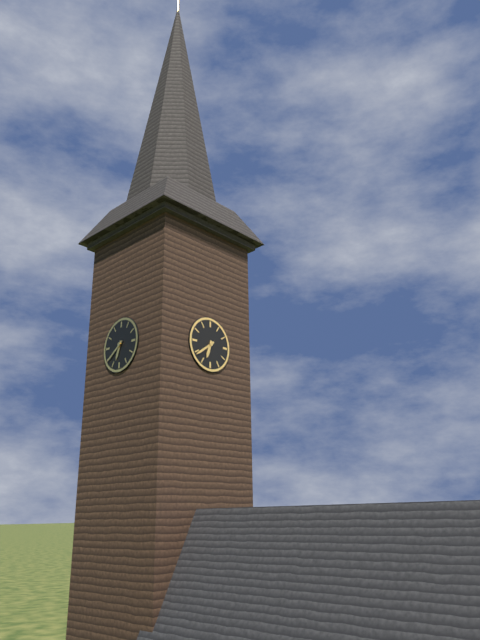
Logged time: {"hour": 6, "minute": 39}
